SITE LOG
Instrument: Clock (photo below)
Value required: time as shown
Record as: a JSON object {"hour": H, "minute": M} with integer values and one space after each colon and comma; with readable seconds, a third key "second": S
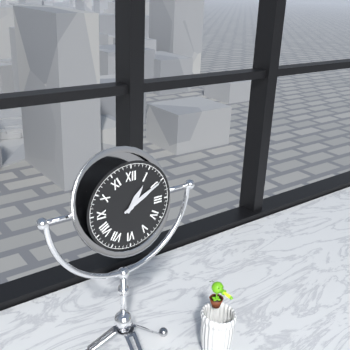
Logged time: {"hour": 1, "minute": 10}
